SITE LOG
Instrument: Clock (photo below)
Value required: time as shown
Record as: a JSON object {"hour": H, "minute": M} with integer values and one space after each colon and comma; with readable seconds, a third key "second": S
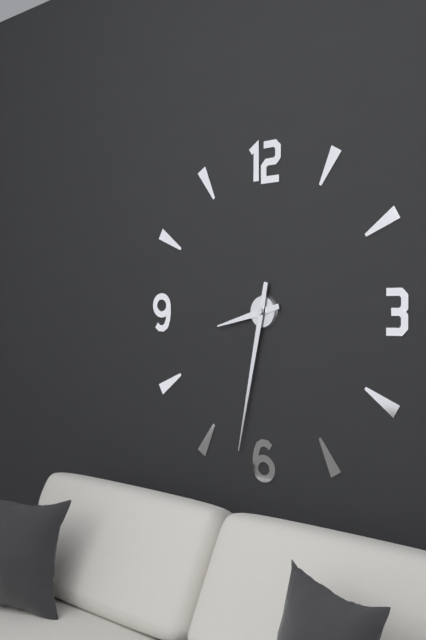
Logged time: {"hour": 8, "minute": 32}
